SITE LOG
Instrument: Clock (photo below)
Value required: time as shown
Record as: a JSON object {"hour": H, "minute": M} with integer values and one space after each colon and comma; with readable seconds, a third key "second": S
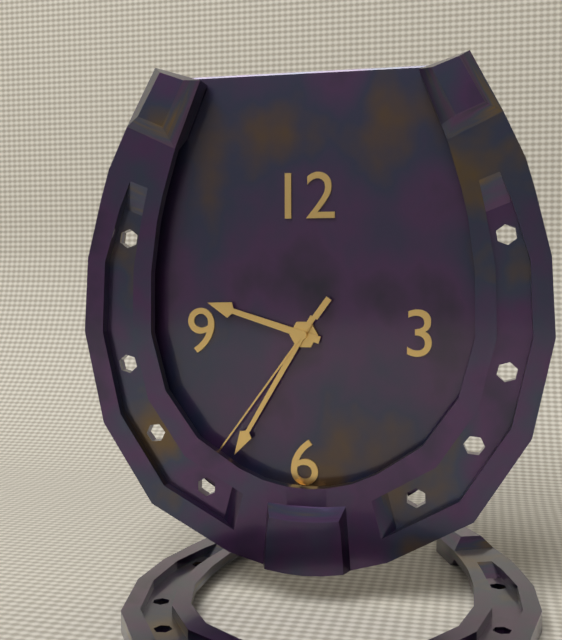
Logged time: {"hour": 9, "minute": 35, "second": 36}
